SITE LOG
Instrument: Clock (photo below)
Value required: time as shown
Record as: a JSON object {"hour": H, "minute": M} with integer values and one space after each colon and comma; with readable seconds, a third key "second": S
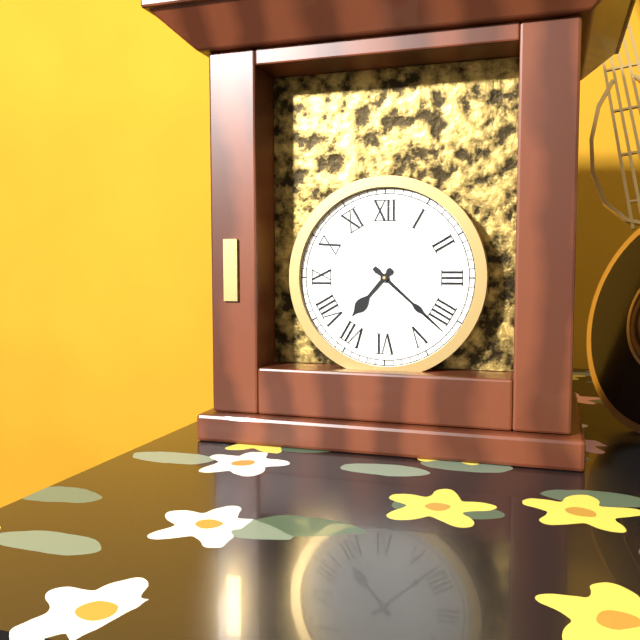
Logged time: {"hour": 7, "minute": 22}
